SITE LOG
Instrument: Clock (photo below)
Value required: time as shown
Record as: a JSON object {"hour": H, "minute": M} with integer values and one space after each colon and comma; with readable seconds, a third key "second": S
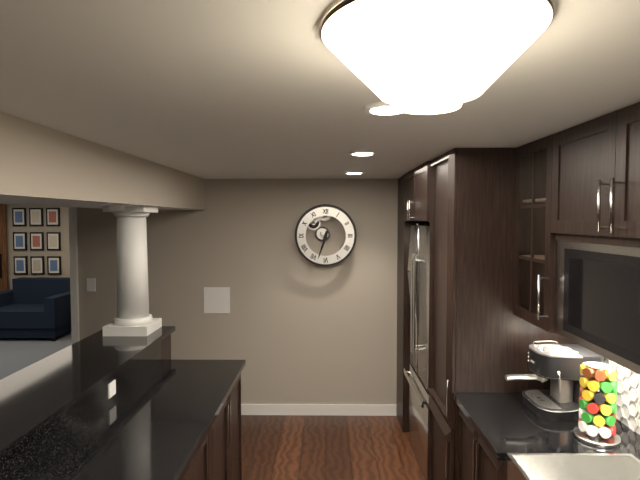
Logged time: {"hour": 6, "minute": 33}
